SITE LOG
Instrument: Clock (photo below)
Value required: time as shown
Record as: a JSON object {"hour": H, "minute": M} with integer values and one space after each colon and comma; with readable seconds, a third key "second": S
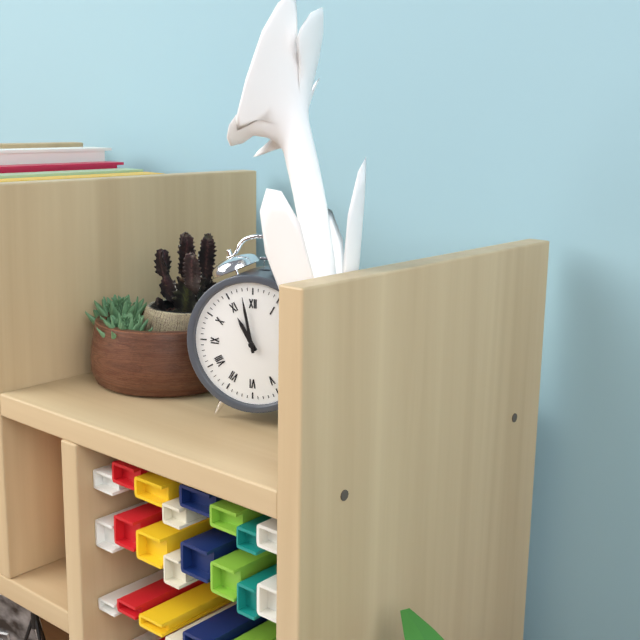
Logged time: {"hour": 10, "minute": 58}
